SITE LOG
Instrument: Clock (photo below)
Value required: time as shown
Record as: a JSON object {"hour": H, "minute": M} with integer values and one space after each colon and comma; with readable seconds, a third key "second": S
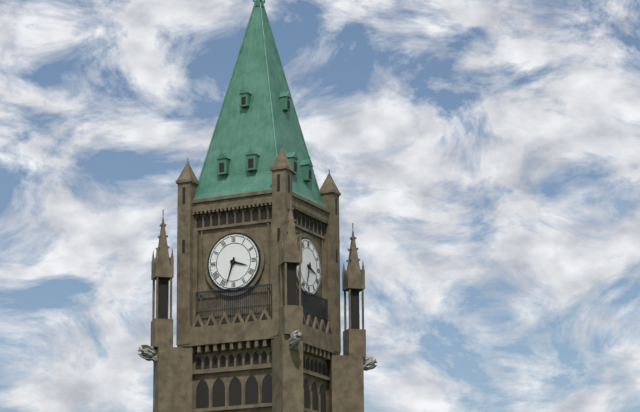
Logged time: {"hour": 3, "minute": 33}
